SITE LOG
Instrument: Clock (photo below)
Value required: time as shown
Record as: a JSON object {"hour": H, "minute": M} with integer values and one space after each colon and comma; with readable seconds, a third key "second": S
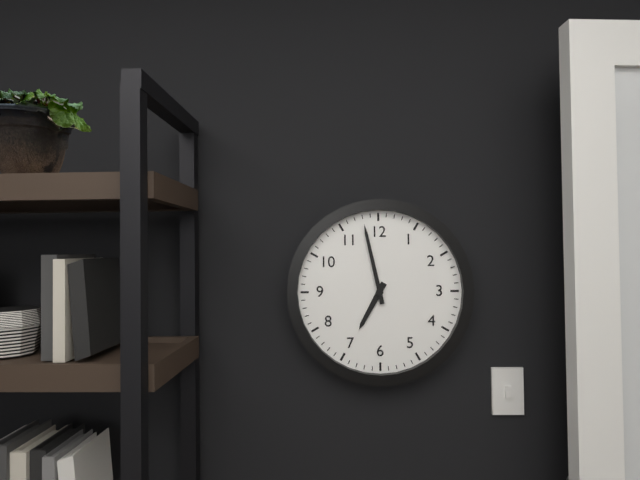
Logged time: {"hour": 6, "minute": 58}
